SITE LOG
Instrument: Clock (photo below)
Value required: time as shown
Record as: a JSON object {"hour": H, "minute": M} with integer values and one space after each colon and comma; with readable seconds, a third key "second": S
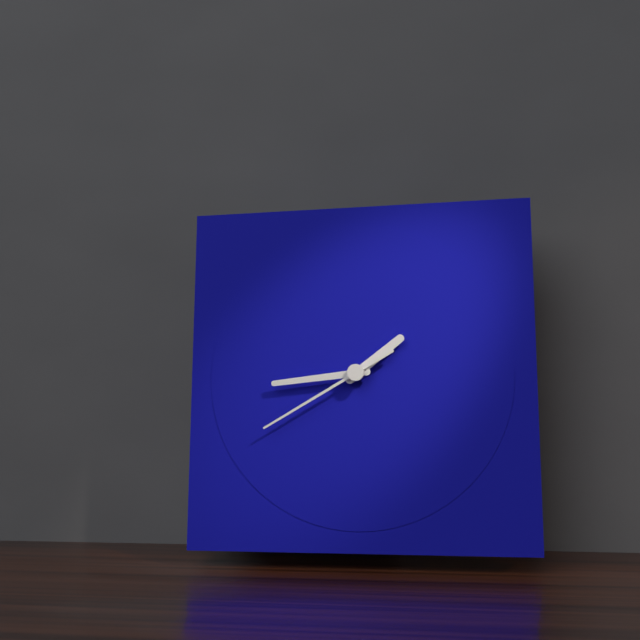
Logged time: {"hour": 1, "minute": 44, "second": 40}
